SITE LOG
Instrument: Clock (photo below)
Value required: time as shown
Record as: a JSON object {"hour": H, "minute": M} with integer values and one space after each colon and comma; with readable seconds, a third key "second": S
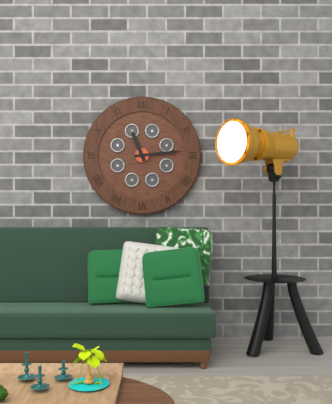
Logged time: {"hour": 11, "minute": 14}
